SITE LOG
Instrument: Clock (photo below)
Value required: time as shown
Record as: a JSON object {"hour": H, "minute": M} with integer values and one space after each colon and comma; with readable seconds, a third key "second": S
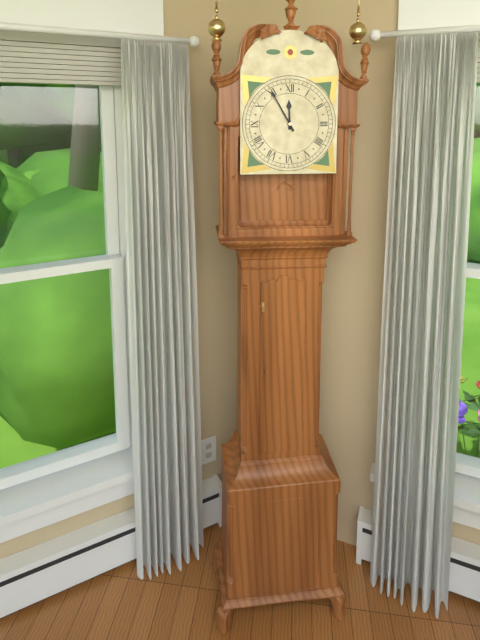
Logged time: {"hour": 11, "minute": 55}
